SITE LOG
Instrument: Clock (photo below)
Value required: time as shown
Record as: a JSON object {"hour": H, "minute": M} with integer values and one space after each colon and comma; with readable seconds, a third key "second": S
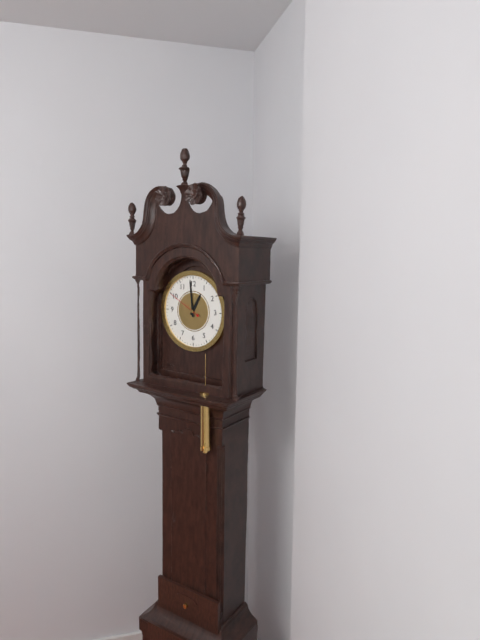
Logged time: {"hour": 12, "minute": 59}
